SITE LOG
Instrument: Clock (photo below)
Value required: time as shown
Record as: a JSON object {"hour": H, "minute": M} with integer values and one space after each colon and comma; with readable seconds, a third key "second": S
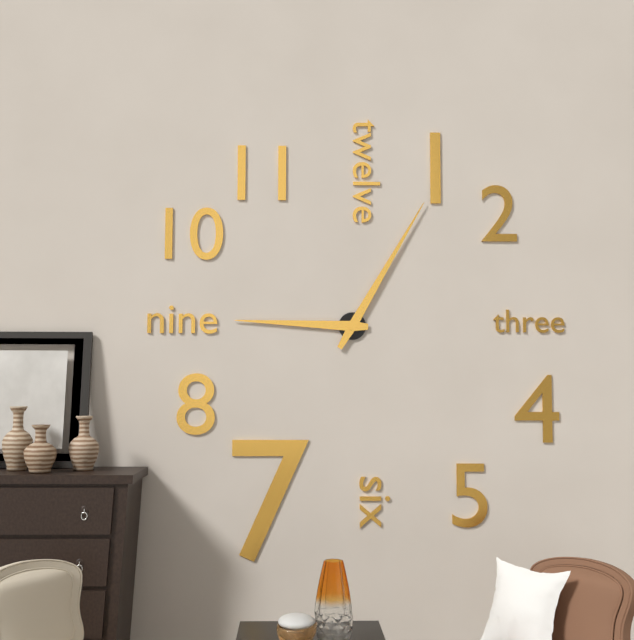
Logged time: {"hour": 9, "minute": 5}
